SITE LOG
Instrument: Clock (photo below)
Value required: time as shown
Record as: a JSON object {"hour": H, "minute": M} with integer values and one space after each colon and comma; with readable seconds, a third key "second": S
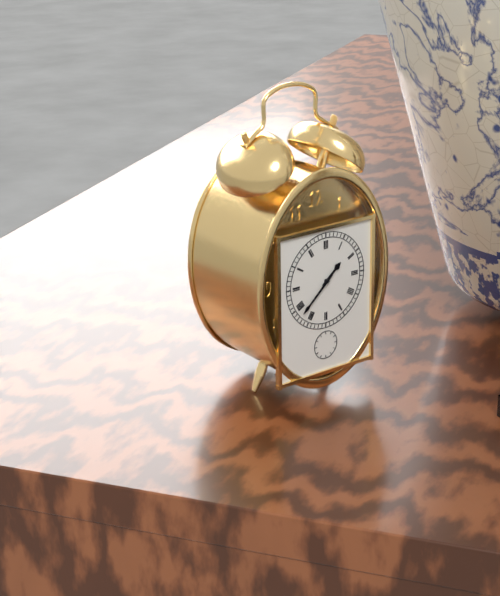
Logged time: {"hour": 1, "minute": 38}
